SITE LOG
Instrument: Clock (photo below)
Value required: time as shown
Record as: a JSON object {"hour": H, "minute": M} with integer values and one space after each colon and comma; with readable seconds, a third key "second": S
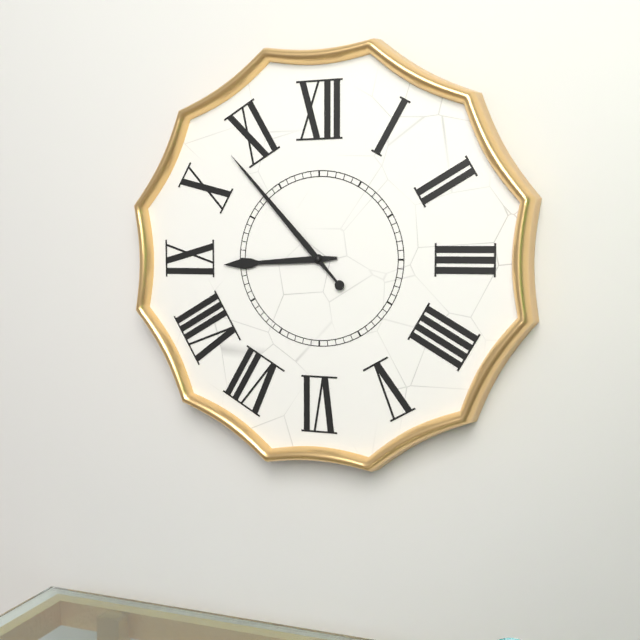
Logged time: {"hour": 8, "minute": 53}
